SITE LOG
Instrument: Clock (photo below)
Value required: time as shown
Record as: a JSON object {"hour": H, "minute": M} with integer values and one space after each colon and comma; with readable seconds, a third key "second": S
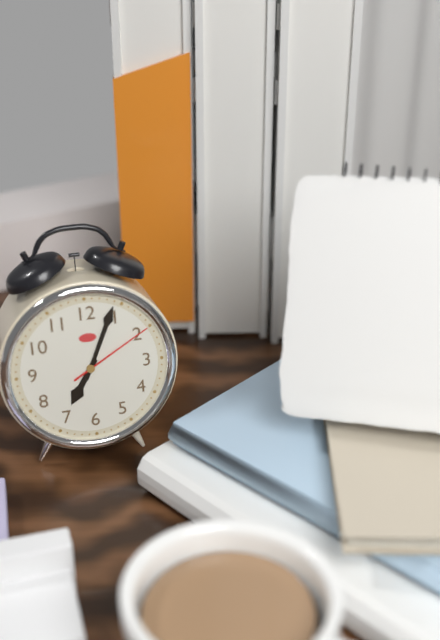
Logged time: {"hour": 7, "minute": 4, "second": 10}
